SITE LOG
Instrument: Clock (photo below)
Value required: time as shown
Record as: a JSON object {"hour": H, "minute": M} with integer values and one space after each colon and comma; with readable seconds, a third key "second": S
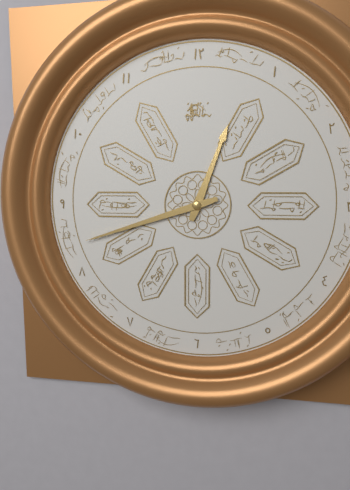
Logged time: {"hour": 12, "minute": 42}
